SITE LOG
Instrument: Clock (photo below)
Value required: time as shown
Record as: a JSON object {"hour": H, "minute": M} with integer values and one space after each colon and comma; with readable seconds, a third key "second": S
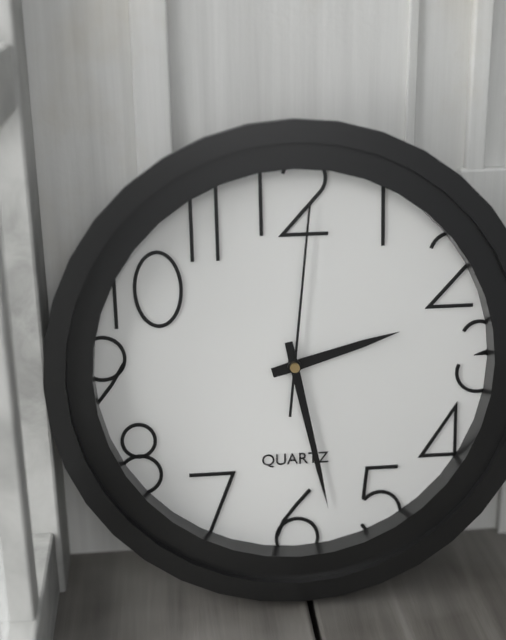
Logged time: {"hour": 2, "minute": 28, "second": 1}
